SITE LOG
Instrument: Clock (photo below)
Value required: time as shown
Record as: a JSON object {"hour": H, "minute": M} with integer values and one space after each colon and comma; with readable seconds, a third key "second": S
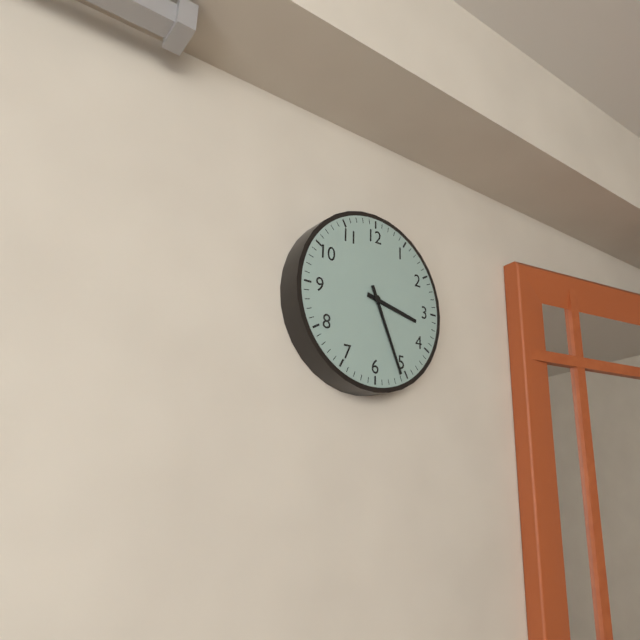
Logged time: {"hour": 3, "minute": 26}
